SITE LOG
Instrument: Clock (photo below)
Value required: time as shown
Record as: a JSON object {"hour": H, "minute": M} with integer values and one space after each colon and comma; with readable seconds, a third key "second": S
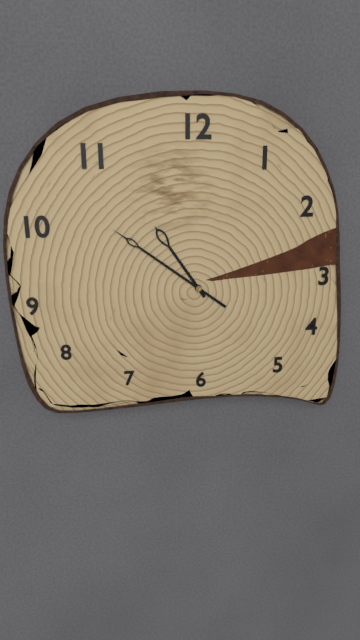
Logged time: {"hour": 10, "minute": 51}
